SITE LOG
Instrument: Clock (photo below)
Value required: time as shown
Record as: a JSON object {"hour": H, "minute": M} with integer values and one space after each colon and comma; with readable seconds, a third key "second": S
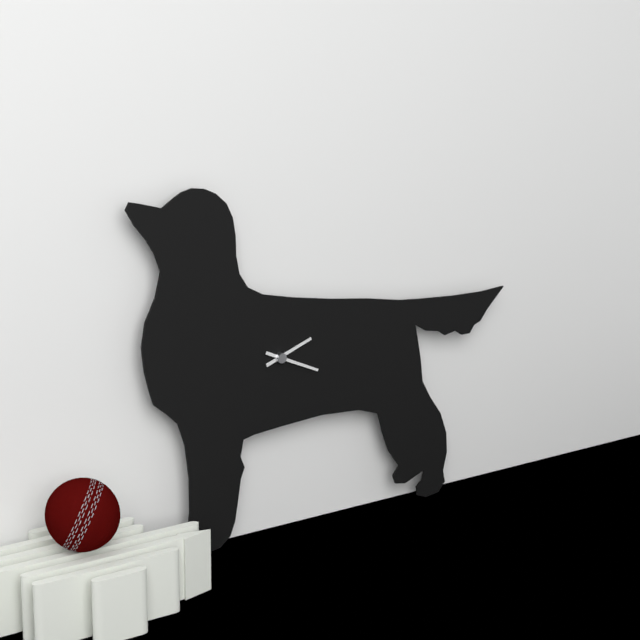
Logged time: {"hour": 2, "minute": 19}
